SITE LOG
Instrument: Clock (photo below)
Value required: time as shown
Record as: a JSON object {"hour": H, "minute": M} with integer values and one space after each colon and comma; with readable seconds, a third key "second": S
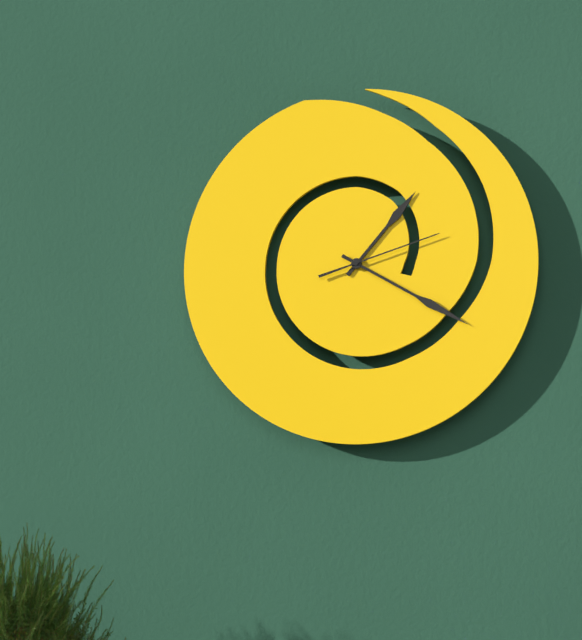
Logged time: {"hour": 1, "minute": 20, "second": 12}
